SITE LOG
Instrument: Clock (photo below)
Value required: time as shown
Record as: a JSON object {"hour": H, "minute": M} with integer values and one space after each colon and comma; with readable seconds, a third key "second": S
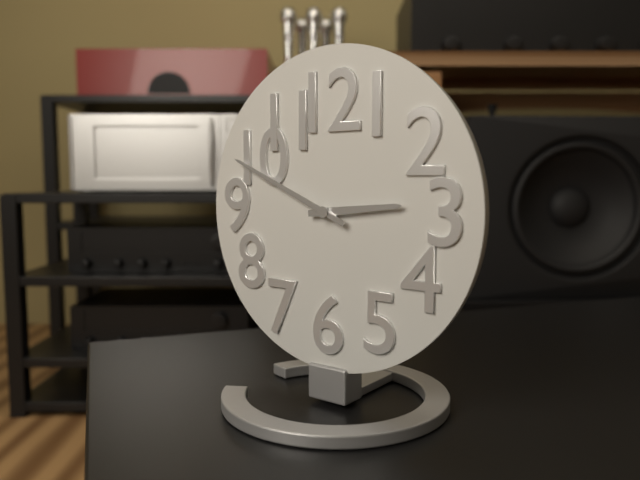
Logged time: {"hour": 2, "minute": 49}
